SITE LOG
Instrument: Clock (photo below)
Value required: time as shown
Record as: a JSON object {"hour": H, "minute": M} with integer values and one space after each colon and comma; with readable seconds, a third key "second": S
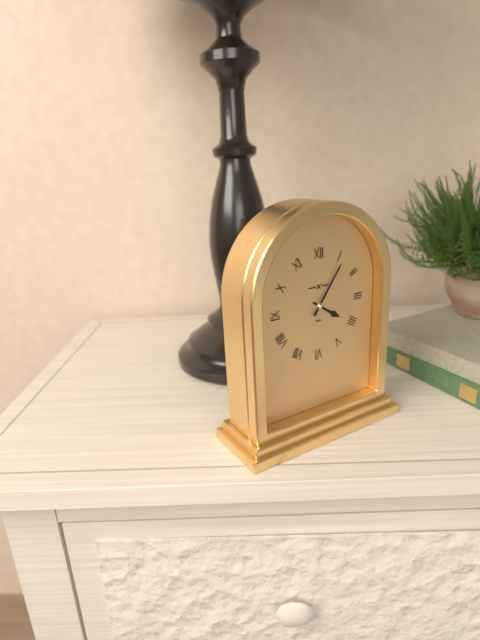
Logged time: {"hour": 4, "minute": 6}
